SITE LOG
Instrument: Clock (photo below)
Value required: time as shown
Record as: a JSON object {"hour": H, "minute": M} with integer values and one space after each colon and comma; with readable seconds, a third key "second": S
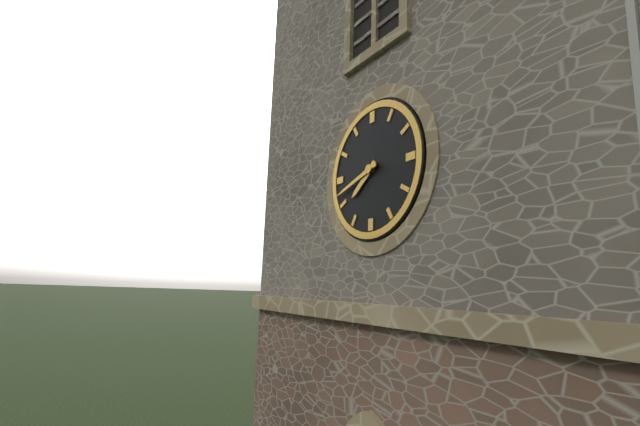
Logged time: {"hour": 7, "minute": 42}
